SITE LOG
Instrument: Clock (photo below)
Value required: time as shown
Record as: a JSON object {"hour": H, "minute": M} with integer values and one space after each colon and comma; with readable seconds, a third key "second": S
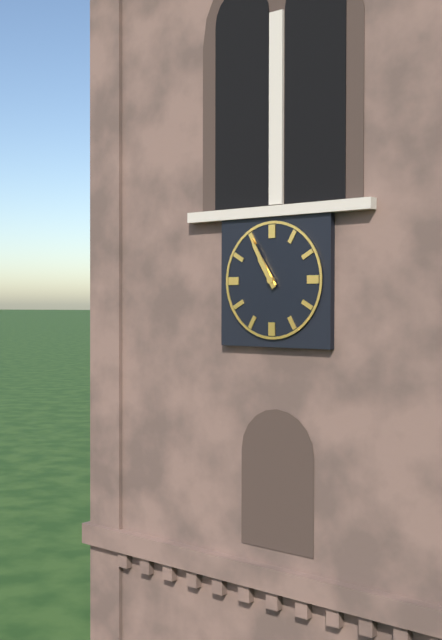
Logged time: {"hour": 10, "minute": 55}
